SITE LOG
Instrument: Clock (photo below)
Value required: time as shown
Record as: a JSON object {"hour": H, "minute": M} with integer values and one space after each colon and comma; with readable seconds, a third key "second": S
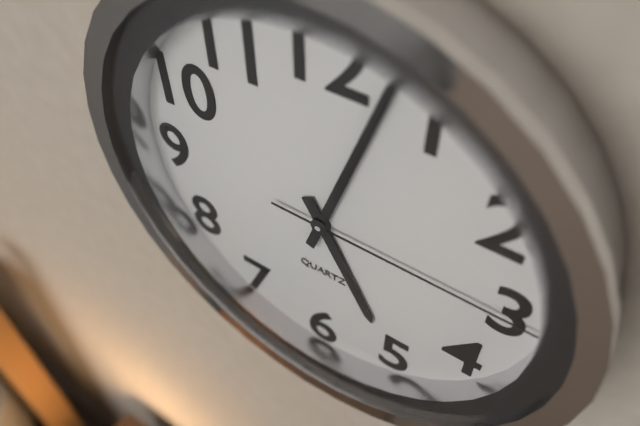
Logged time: {"hour": 5, "minute": 3, "second": 15}
